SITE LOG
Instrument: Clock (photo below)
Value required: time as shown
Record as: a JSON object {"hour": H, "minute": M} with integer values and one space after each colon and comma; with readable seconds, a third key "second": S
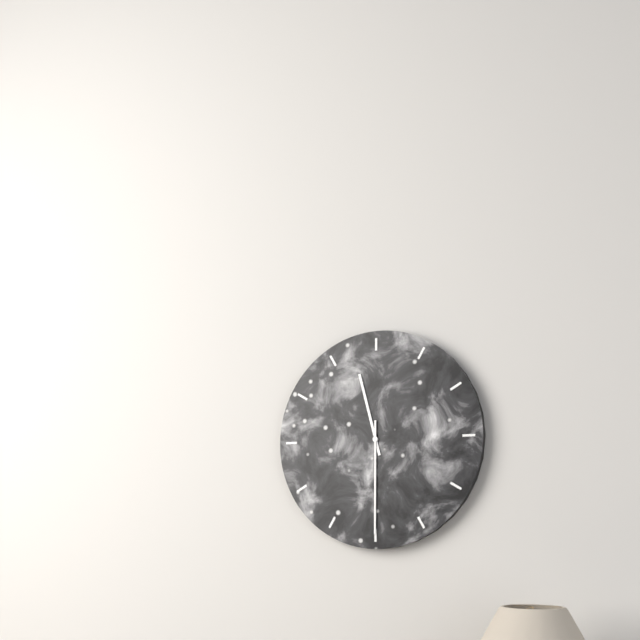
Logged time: {"hour": 11, "minute": 30}
